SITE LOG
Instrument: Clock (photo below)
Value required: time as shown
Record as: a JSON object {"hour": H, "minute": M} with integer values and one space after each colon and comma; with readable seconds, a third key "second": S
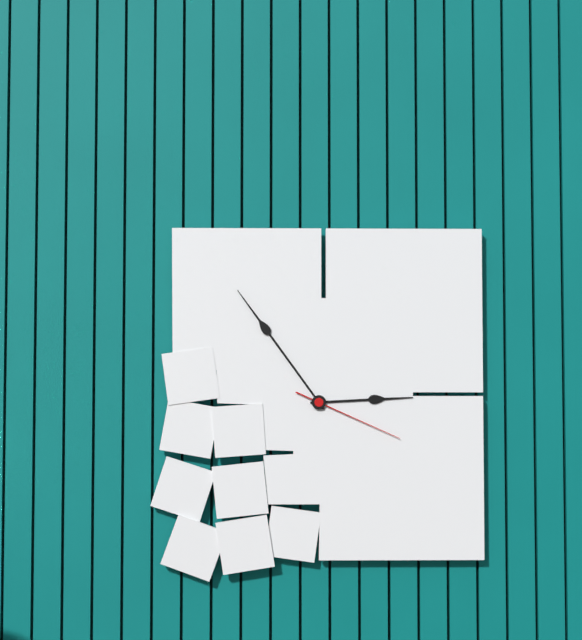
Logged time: {"hour": 2, "minute": 54, "second": 19}
